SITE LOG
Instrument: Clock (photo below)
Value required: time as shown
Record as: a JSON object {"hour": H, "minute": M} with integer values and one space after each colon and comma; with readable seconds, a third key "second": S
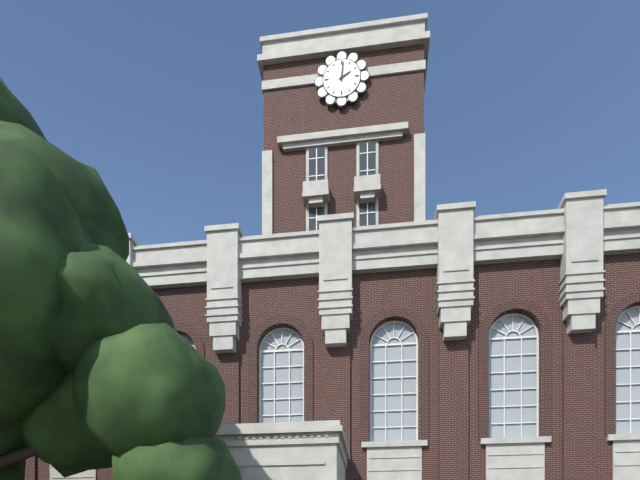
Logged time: {"hour": 2, "minute": 1}
